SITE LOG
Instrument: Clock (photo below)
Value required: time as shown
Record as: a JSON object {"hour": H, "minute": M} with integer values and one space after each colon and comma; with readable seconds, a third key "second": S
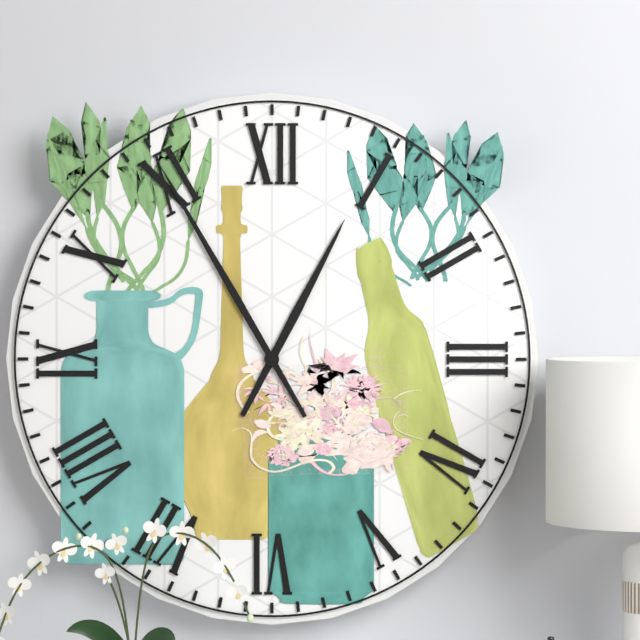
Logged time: {"hour": 12, "minute": 55}
